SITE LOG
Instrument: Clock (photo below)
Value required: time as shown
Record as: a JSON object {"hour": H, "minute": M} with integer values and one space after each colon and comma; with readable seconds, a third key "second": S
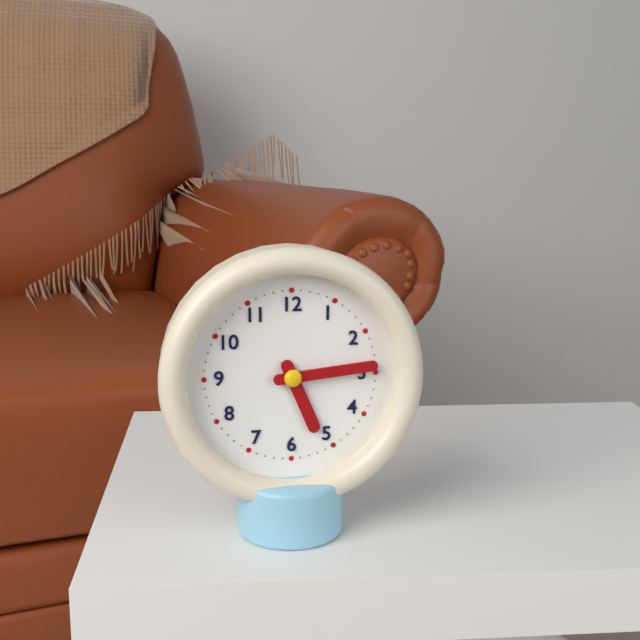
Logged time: {"hour": 5, "minute": 14}
